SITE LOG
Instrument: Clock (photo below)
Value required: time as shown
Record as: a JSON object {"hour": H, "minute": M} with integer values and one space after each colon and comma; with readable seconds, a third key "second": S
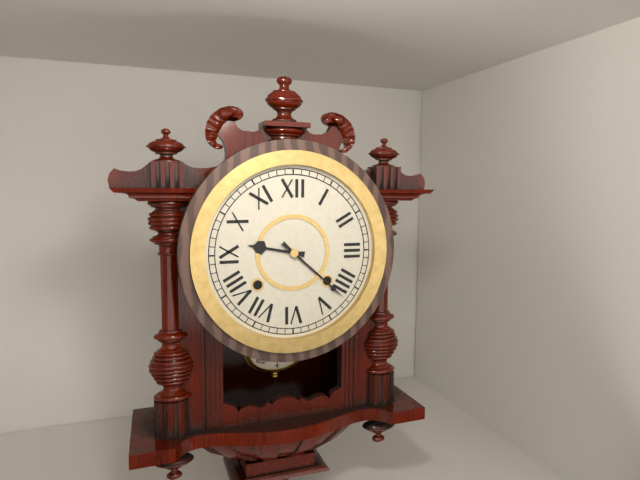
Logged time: {"hour": 9, "minute": 22}
